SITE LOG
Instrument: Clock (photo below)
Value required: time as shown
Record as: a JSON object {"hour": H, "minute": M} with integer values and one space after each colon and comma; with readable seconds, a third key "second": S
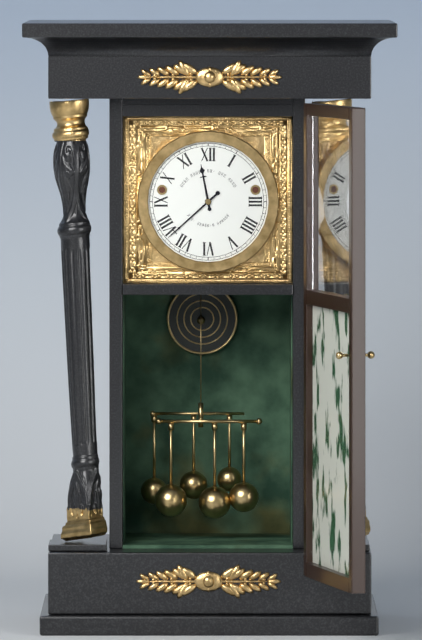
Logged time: {"hour": 11, "minute": 38}
